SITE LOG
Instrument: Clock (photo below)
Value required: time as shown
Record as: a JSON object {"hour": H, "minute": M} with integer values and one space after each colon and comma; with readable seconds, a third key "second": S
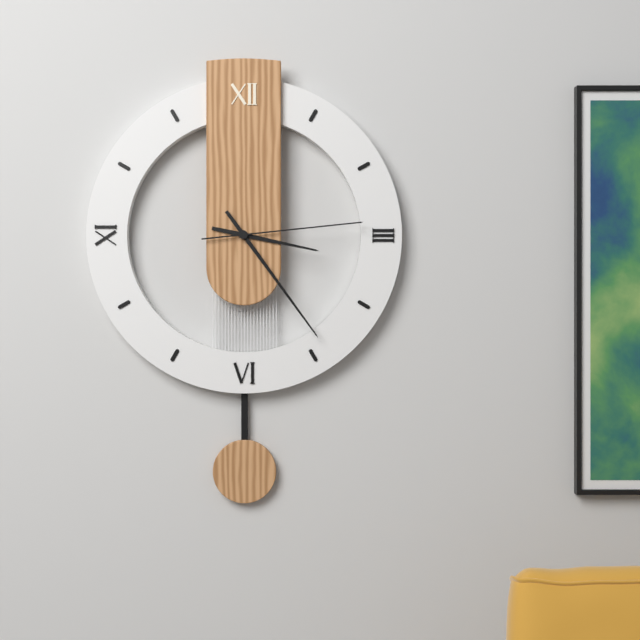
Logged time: {"hour": 3, "minute": 24, "second": 14}
